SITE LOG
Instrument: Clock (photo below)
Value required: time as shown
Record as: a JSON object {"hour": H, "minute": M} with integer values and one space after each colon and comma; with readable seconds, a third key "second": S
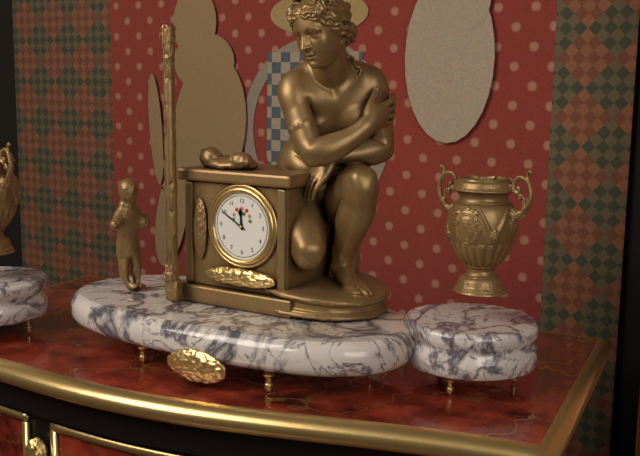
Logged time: {"hour": 11, "minute": 50}
